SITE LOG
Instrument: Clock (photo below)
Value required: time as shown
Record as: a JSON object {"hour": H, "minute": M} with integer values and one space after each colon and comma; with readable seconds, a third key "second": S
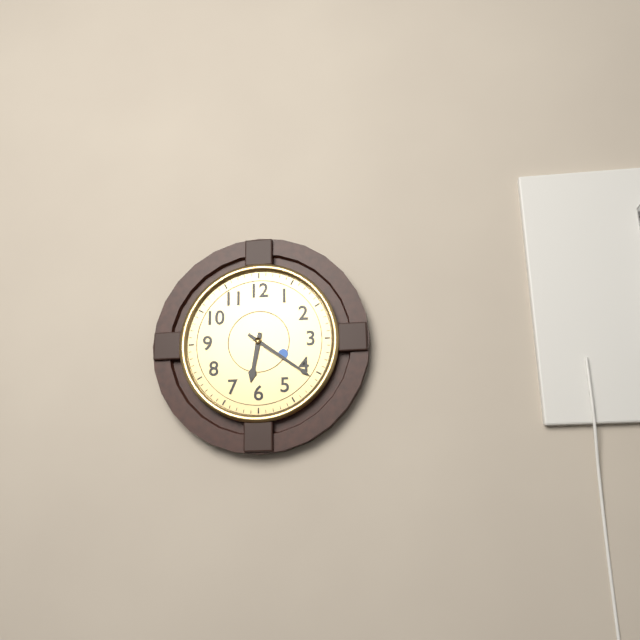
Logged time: {"hour": 6, "minute": 21}
